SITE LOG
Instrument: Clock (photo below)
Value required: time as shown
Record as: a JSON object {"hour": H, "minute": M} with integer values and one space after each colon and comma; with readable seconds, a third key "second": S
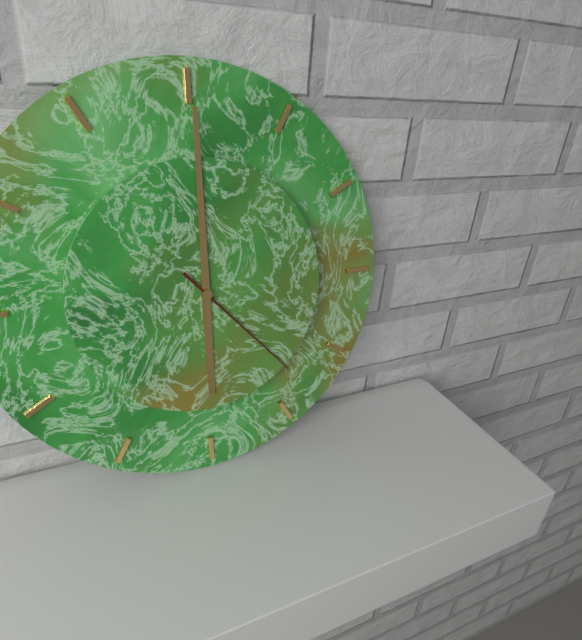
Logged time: {"hour": 6, "minute": 0, "second": 23}
